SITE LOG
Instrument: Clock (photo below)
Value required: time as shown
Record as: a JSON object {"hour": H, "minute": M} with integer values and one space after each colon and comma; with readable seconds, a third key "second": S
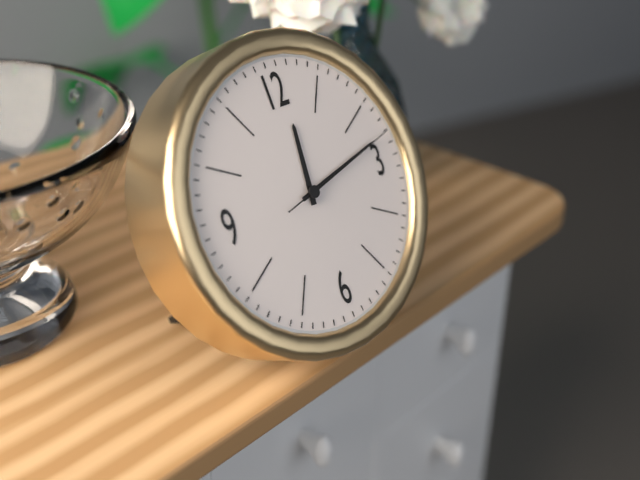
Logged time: {"hour": 12, "minute": 13, "second": 13}
